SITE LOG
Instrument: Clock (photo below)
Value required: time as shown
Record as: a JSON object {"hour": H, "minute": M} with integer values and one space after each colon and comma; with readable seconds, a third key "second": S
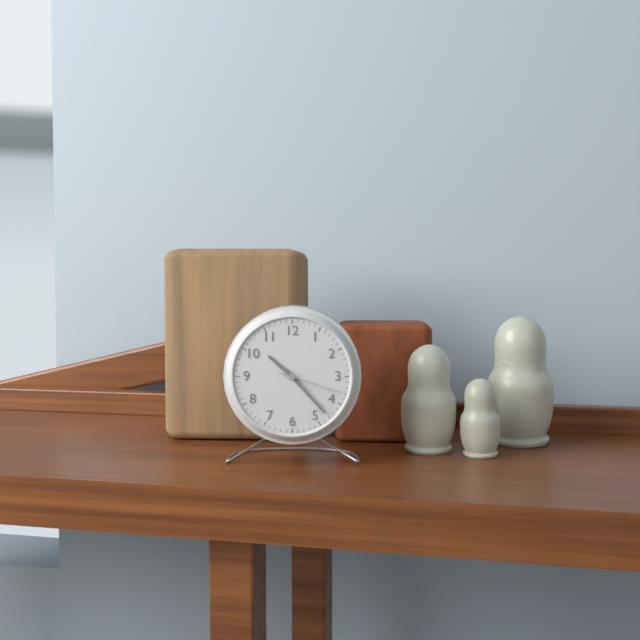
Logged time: {"hour": 10, "minute": 23, "second": 18}
